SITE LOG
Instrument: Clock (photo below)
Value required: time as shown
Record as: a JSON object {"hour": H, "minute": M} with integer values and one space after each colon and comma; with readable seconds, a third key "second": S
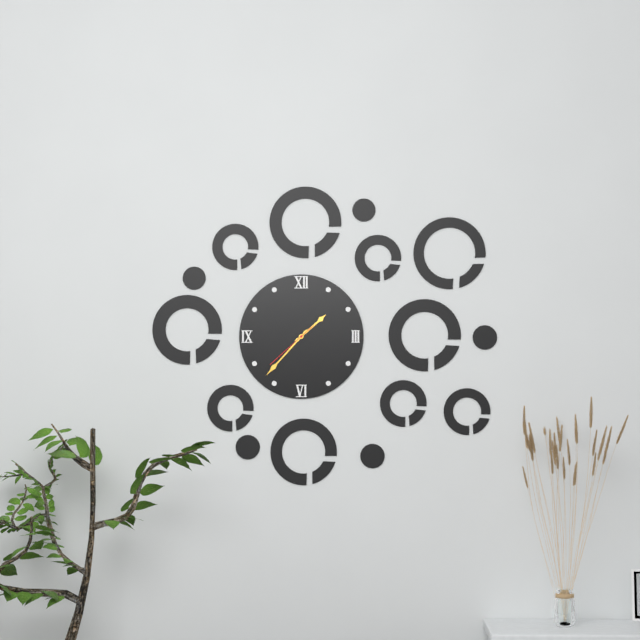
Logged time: {"hour": 1, "minute": 37, "second": 38}
